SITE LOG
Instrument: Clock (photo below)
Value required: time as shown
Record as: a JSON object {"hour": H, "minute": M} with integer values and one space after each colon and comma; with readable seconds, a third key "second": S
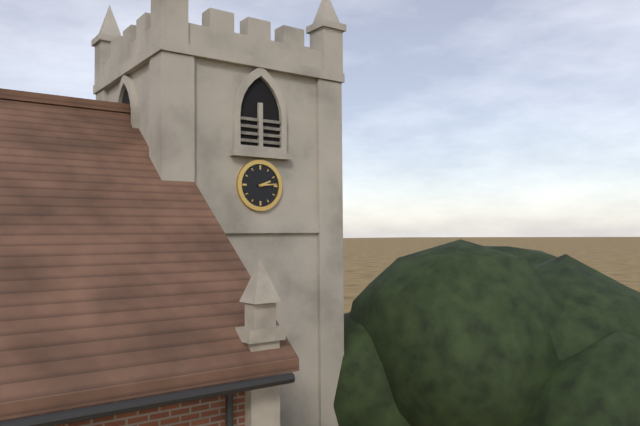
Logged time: {"hour": 2, "minute": 14}
